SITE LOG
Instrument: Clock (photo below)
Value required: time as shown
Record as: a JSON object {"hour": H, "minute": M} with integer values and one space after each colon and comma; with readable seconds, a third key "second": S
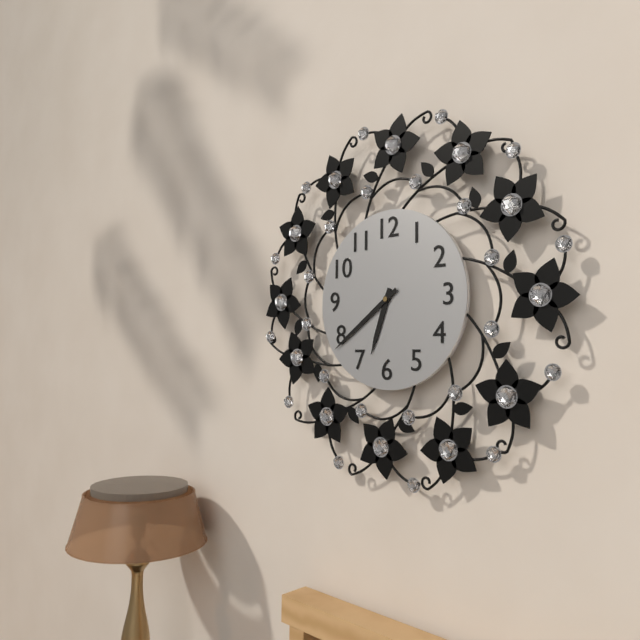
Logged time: {"hour": 6, "minute": 39}
